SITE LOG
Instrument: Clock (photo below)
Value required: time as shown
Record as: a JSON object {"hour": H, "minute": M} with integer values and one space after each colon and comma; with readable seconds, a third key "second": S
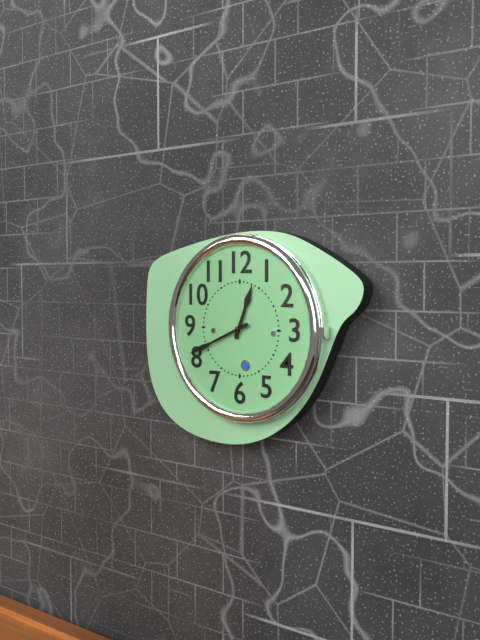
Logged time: {"hour": 12, "minute": 41}
